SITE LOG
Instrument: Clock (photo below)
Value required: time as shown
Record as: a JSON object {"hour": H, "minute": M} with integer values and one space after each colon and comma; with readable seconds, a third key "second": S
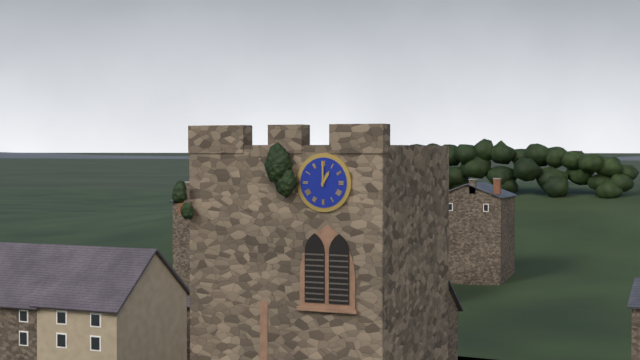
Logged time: {"hour": 1, "minute": 0}
